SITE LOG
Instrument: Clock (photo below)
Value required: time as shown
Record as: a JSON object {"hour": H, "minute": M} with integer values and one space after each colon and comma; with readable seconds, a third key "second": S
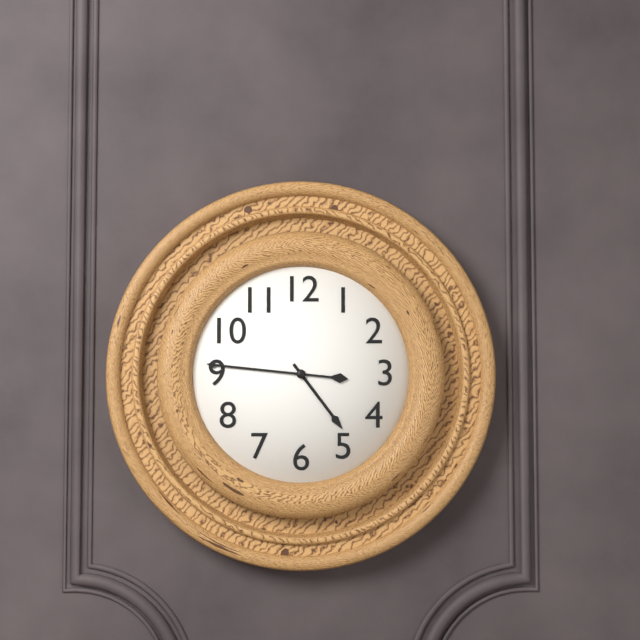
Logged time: {"hour": 4, "minute": 46}
